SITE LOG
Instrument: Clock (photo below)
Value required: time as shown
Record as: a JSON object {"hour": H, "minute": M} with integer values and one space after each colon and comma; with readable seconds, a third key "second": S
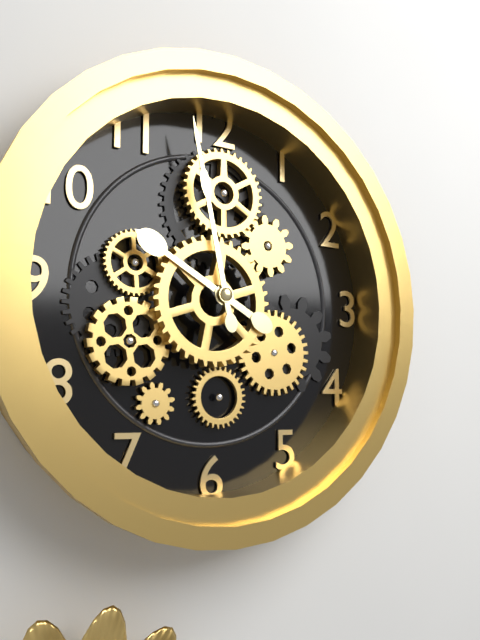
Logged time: {"hour": 9, "minute": 58}
